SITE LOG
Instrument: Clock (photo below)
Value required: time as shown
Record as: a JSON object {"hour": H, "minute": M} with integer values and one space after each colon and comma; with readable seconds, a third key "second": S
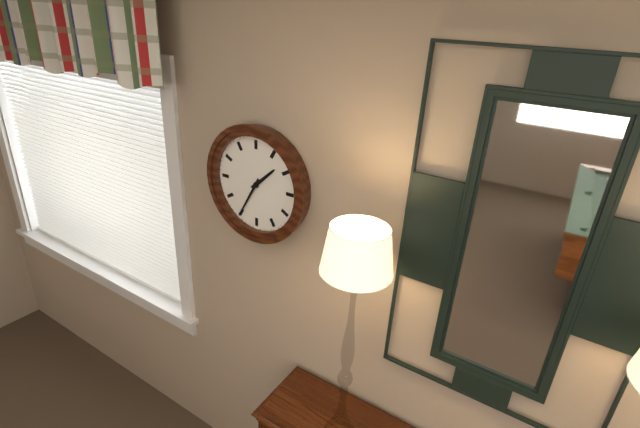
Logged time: {"hour": 1, "minute": 35}
